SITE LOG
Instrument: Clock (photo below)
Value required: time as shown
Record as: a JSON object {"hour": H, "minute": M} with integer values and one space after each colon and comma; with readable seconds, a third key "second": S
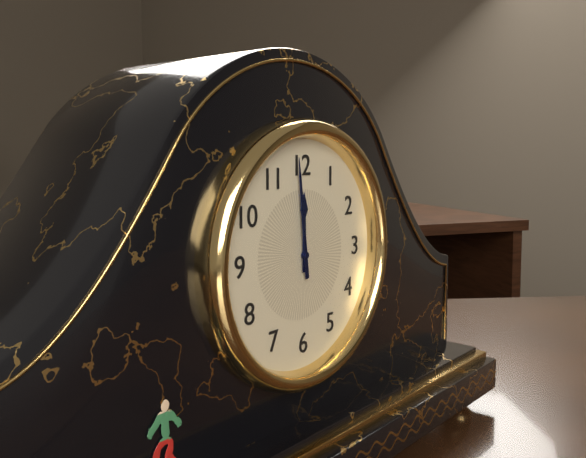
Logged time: {"hour": 11, "minute": 59}
